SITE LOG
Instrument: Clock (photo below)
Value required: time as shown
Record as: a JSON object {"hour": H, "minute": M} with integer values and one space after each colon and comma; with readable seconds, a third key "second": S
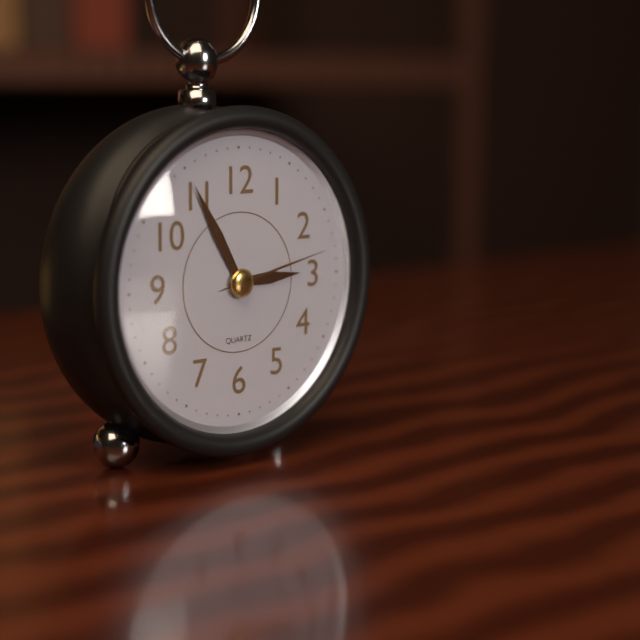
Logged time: {"hour": 2, "minute": 55, "second": 13}
